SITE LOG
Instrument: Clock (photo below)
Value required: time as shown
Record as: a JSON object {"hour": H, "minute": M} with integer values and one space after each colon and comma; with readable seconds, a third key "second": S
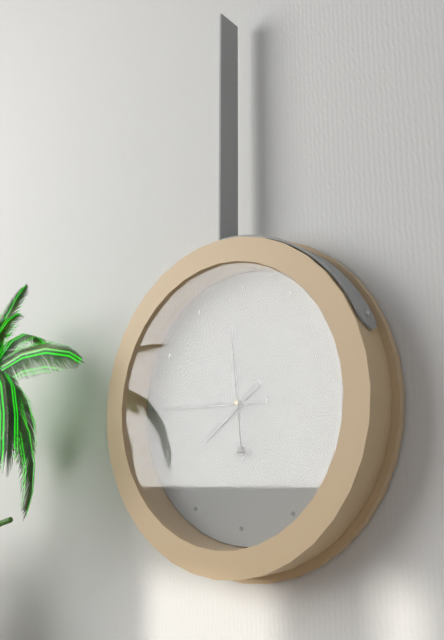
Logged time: {"hour": 7, "minute": 45, "second": 59}
